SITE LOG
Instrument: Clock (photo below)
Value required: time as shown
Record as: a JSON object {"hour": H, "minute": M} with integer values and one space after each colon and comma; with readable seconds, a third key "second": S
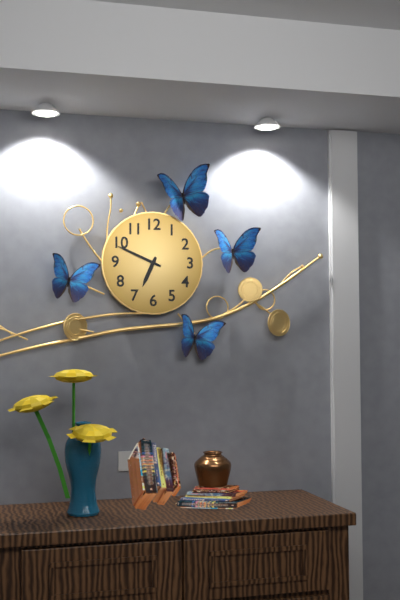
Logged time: {"hour": 6, "minute": 49}
